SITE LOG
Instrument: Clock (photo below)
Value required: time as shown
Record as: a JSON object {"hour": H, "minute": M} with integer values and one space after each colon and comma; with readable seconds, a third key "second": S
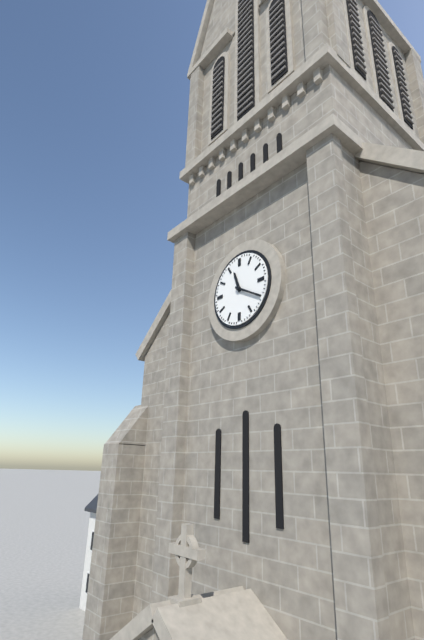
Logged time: {"hour": 11, "minute": 20}
